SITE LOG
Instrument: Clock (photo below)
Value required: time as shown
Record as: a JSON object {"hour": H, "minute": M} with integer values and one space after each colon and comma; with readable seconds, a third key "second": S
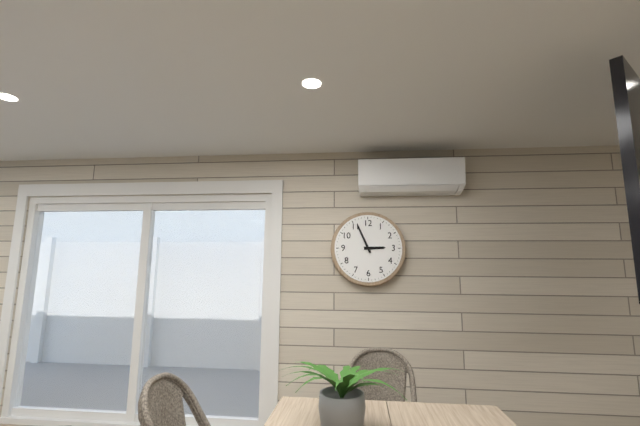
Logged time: {"hour": 2, "minute": 56}
